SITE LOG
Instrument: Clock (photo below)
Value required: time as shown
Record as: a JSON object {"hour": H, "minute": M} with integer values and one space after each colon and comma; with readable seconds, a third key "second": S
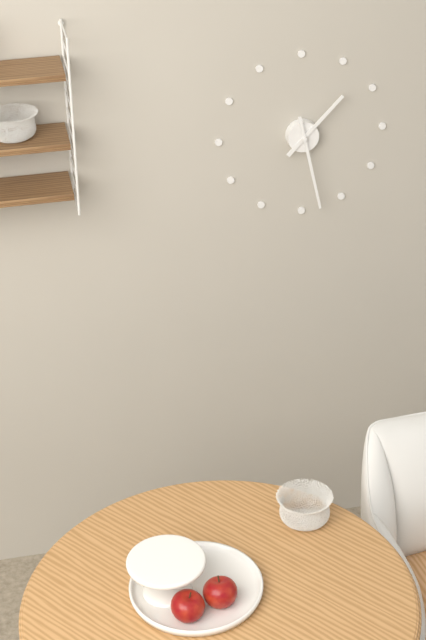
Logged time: {"hour": 1, "minute": 28}
